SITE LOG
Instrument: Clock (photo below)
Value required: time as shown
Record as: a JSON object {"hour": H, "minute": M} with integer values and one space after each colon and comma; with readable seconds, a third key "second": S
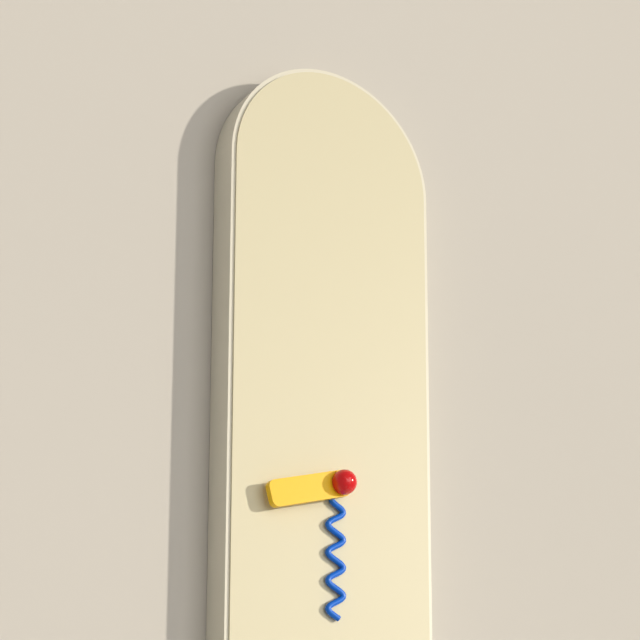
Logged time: {"hour": 8, "minute": 30}
